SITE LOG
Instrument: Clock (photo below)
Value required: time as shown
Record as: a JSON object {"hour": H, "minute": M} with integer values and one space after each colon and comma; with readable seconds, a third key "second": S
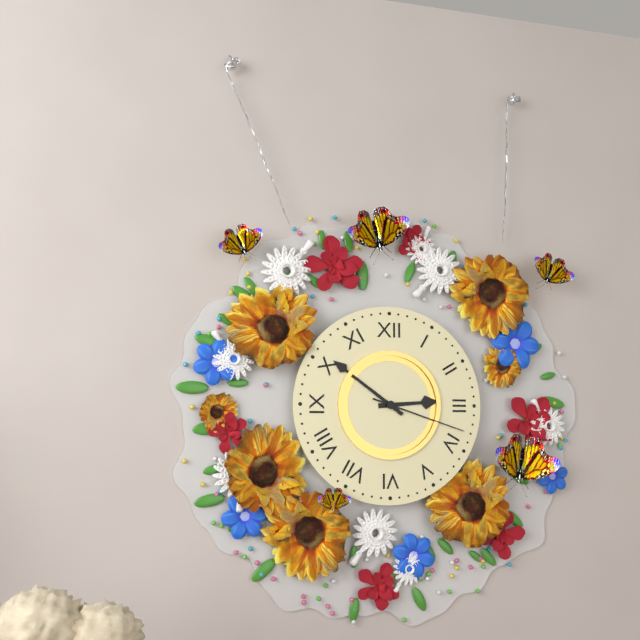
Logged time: {"hour": 2, "minute": 51, "second": 18}
